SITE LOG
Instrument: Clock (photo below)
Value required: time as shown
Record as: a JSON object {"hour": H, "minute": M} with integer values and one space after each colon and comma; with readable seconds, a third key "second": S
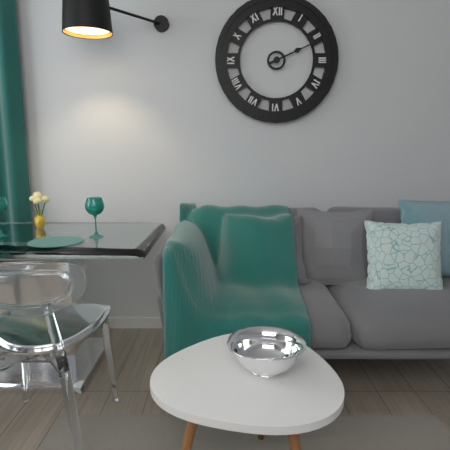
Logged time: {"hour": 2, "minute": 11}
